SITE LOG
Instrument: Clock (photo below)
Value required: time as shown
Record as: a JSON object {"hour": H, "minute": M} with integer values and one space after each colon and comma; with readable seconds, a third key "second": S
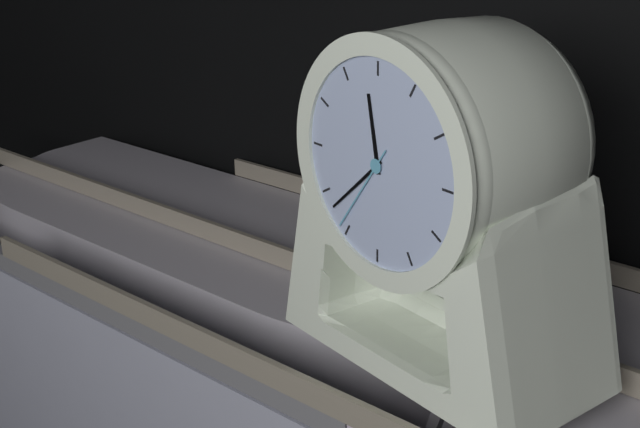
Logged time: {"hour": 11, "minute": 38, "second": 36}
